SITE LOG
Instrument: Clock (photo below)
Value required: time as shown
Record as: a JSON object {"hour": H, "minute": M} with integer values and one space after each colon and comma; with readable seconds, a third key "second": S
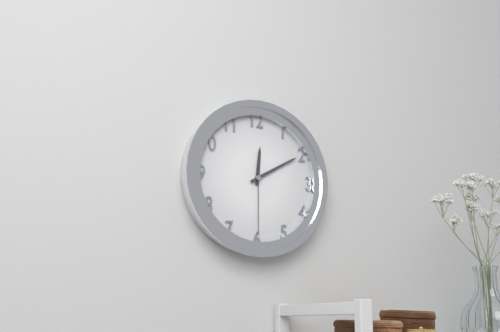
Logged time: {"hour": 12, "minute": 10, "second": 30}
